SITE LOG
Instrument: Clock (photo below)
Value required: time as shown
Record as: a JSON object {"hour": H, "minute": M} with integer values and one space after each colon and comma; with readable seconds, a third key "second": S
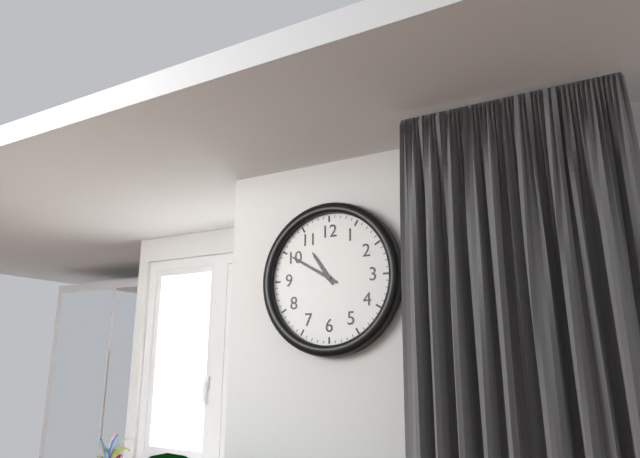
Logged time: {"hour": 10, "minute": 50}
